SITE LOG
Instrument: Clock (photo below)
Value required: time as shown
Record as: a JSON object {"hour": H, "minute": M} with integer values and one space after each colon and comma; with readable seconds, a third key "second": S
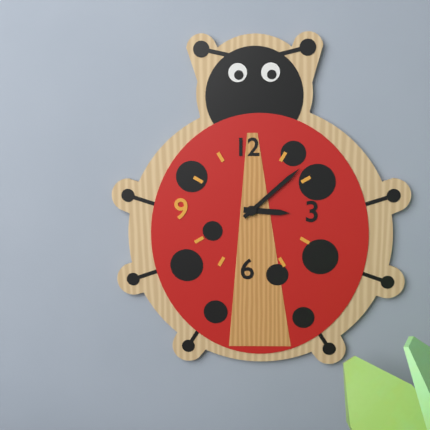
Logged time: {"hour": 3, "minute": 8}
